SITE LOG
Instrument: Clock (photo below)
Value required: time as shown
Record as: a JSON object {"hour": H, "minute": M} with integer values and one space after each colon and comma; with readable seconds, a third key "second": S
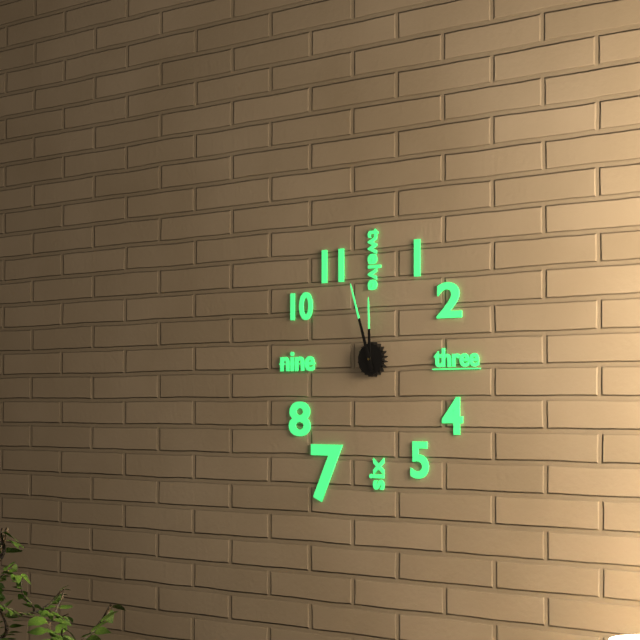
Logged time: {"hour": 11, "minute": 57}
